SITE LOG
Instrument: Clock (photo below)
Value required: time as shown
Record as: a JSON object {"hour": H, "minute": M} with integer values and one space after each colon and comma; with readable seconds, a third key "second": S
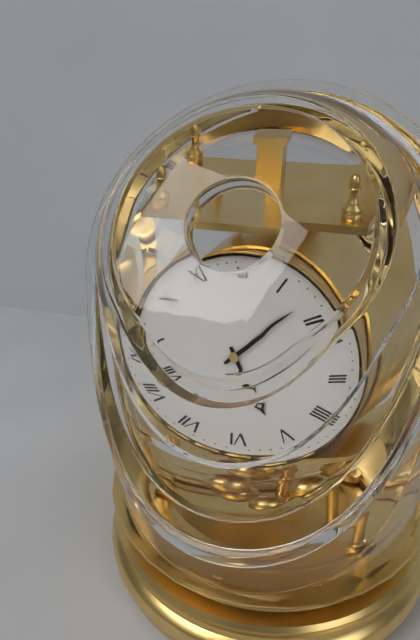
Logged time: {"hour": 5, "minute": 8}
